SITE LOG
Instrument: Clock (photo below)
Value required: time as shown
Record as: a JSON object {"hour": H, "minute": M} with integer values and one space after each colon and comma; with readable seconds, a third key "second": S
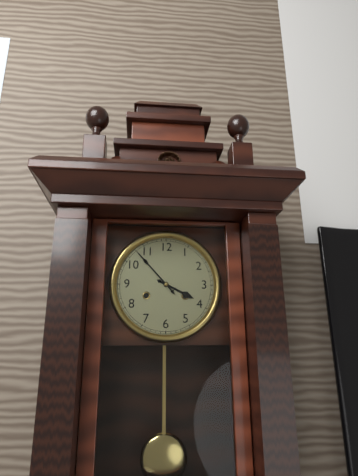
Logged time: {"hour": 3, "minute": 53}
